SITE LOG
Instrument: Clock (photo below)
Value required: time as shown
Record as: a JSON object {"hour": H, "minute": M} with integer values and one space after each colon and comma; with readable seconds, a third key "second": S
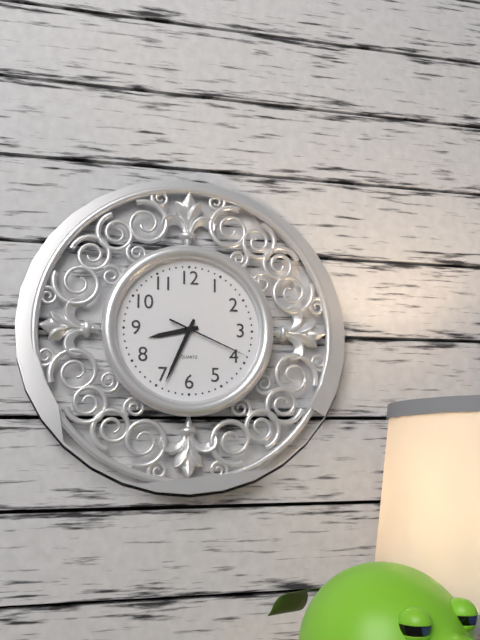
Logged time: {"hour": 8, "minute": 34, "second": 19}
